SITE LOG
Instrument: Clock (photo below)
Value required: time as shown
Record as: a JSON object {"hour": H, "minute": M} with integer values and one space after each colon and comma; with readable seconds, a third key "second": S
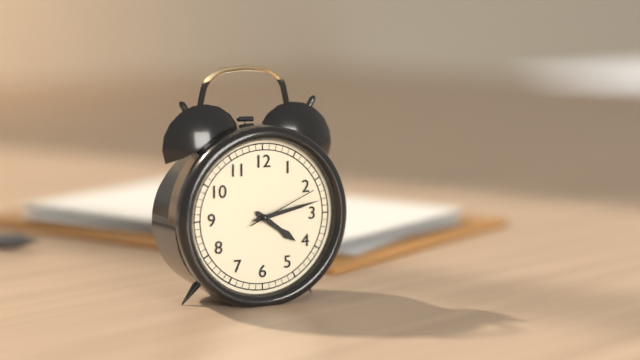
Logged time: {"hour": 4, "minute": 13, "second": 11}
